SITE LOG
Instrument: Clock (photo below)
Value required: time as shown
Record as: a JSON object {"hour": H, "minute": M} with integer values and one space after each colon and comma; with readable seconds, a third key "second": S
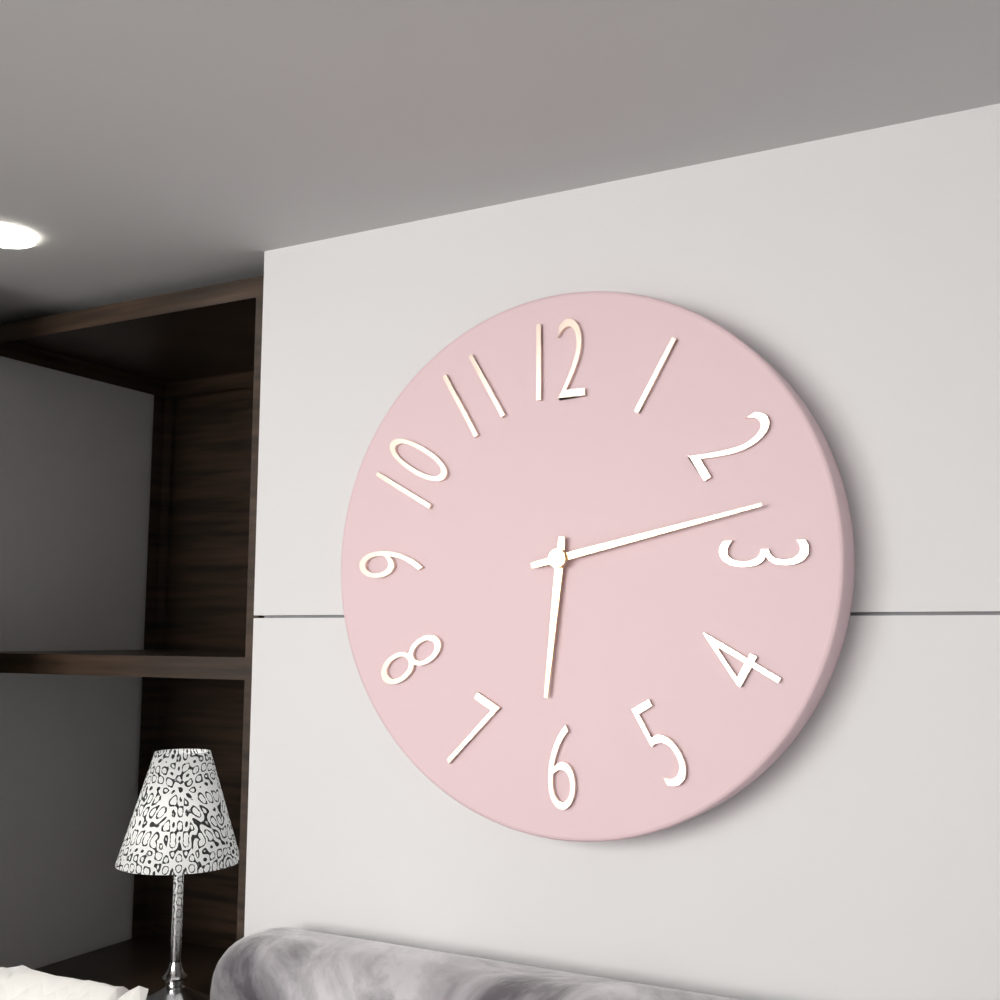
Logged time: {"hour": 6, "minute": 13}
